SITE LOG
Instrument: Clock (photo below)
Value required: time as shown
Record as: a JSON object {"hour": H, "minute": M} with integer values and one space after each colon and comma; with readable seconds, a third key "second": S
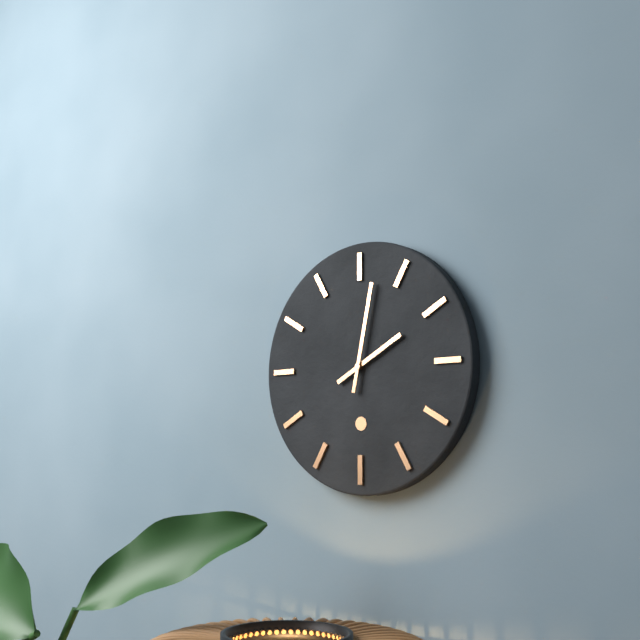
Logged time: {"hour": 2, "minute": 2}
